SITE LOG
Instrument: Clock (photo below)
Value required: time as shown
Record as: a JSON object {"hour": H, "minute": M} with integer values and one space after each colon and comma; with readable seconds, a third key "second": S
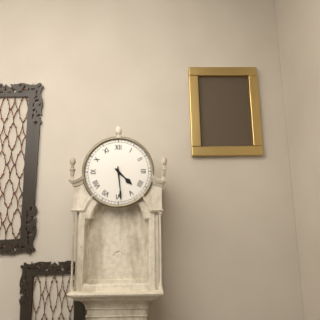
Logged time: {"hour": 4, "minute": 29}
